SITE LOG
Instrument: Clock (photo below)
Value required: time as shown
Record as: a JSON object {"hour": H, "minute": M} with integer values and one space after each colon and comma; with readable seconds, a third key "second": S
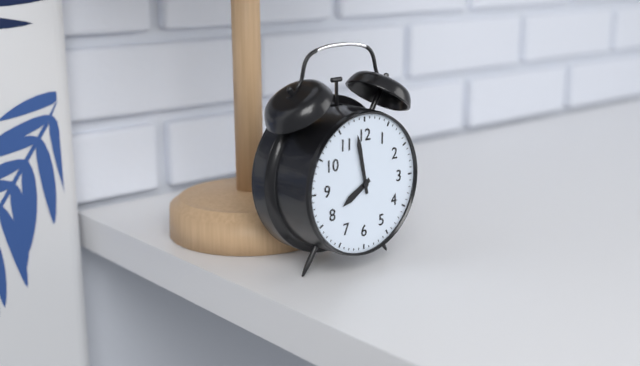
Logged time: {"hour": 7, "minute": 58}
